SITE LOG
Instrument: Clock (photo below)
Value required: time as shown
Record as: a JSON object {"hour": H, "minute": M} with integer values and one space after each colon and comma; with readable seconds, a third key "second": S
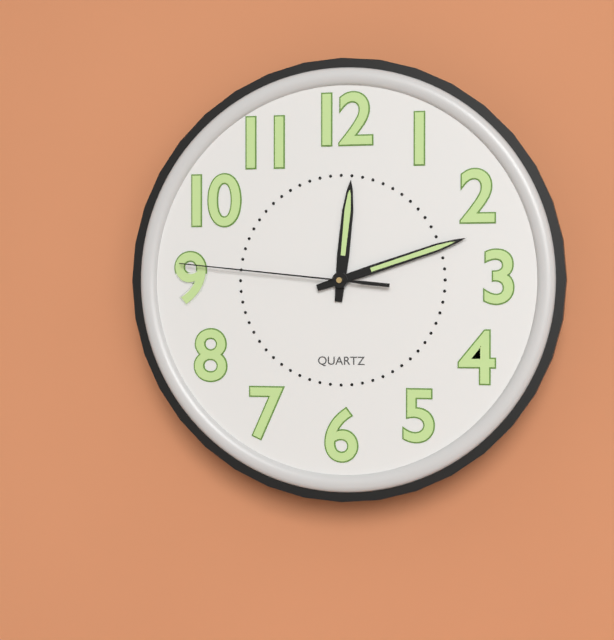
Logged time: {"hour": 12, "minute": 12, "second": 46}
